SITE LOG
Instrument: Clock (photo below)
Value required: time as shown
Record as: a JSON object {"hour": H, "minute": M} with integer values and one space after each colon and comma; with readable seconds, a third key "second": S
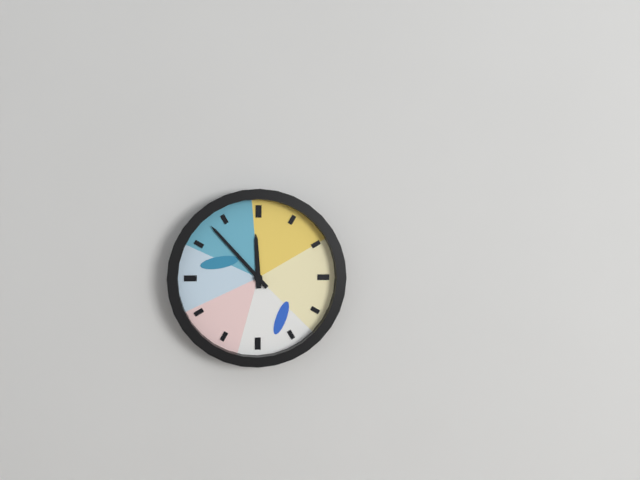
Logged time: {"hour": 11, "minute": 53}
